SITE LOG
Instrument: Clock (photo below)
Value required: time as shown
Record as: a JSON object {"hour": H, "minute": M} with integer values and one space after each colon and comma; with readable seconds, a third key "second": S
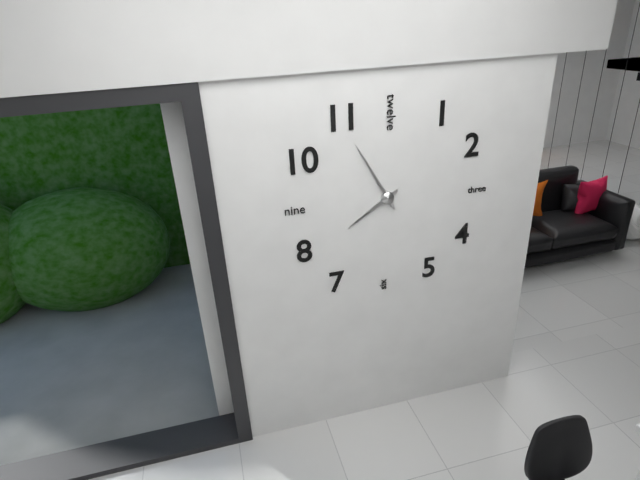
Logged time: {"hour": 7, "minute": 55}
